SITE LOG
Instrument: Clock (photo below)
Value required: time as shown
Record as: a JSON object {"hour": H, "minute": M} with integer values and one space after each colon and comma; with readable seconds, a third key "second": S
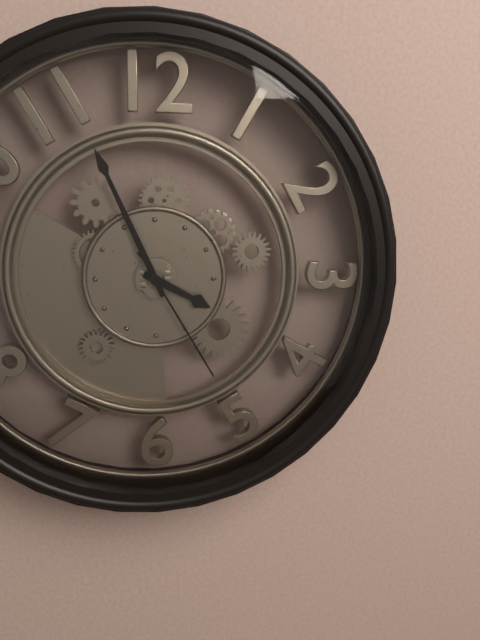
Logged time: {"hour": 3, "minute": 56, "second": 25}
